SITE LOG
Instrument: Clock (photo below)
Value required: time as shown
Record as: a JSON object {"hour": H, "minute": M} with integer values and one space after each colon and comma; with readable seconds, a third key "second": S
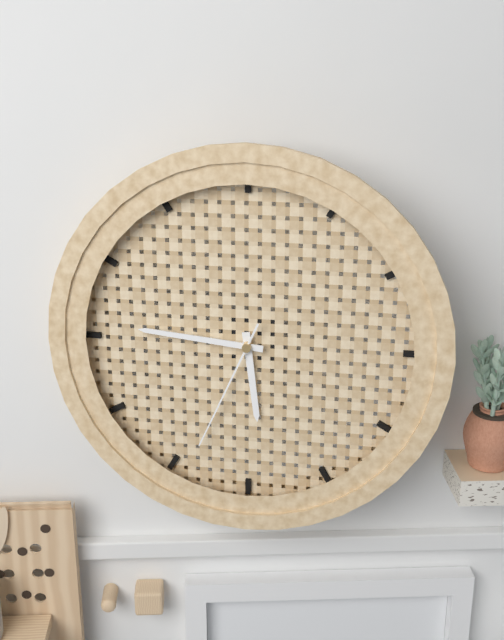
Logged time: {"hour": 5, "minute": 46, "second": 34}
